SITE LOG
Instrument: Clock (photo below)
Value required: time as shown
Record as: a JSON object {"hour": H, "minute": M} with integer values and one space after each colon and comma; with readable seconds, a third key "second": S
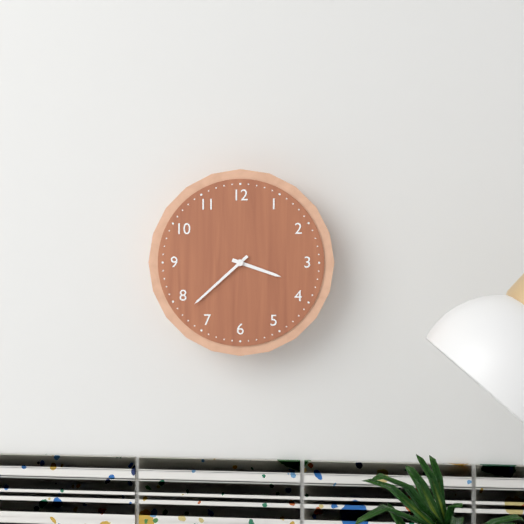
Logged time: {"hour": 3, "minute": 38}
